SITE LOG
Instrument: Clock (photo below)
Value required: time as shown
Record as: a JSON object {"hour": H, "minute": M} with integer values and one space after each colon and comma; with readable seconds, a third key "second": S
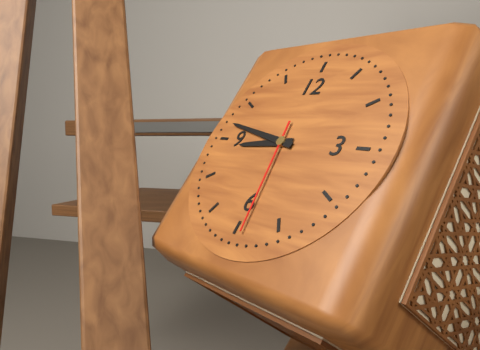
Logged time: {"hour": 8, "minute": 47, "second": 29}
